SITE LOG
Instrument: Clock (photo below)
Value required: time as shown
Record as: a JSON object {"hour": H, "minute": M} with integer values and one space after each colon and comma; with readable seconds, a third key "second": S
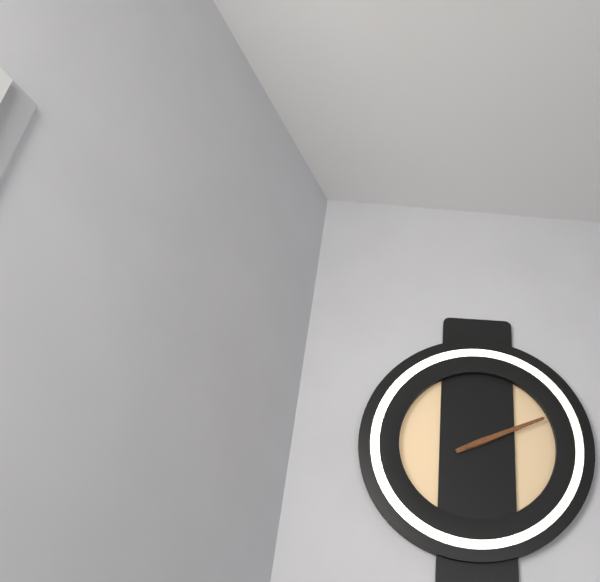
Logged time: {"hour": 2, "minute": 11}
